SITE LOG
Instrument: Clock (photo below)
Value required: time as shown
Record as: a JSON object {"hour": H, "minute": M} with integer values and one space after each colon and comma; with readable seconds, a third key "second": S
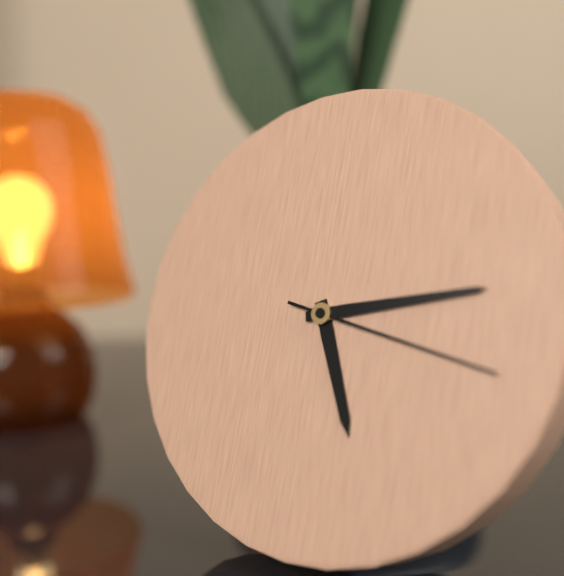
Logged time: {"hour": 5, "minute": 13, "second": 17}
